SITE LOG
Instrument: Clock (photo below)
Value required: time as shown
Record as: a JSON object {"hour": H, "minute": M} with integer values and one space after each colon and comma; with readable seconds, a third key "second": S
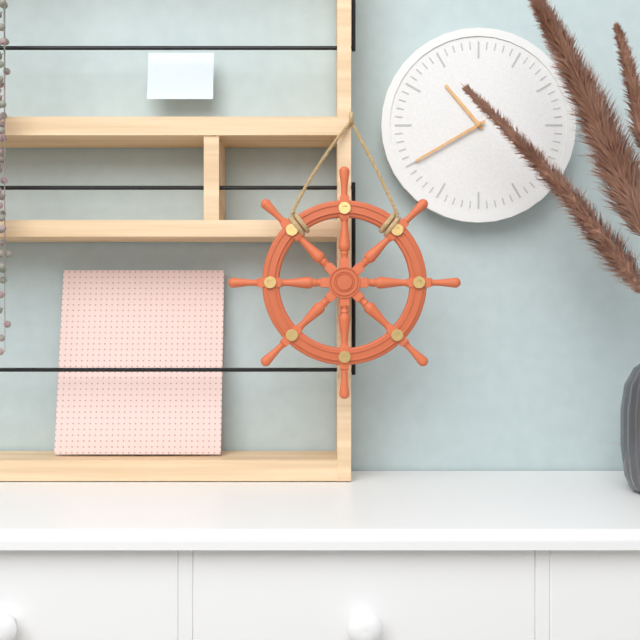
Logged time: {"hour": 10, "minute": 40}
